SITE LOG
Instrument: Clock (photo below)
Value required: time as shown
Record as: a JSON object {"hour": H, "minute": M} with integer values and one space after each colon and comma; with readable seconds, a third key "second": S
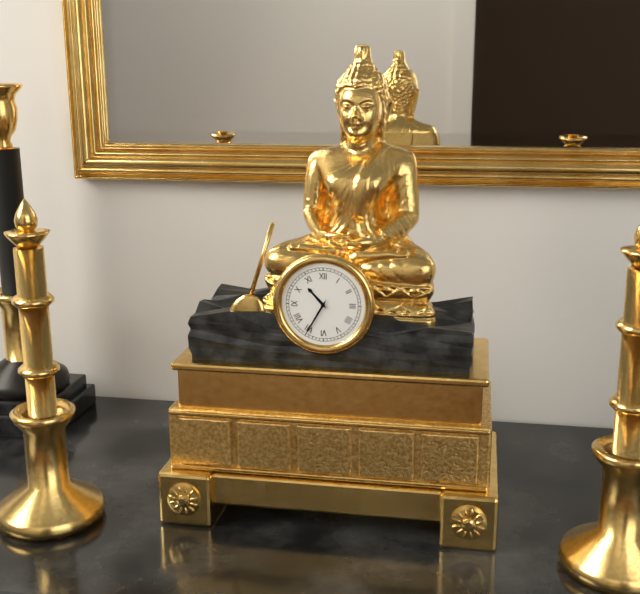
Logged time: {"hour": 10, "minute": 35}
